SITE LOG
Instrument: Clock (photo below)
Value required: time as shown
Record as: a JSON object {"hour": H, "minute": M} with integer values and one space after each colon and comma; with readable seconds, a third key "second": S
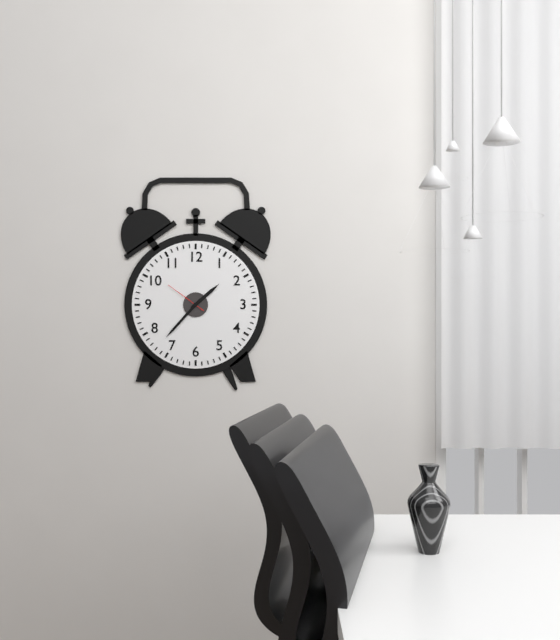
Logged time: {"hour": 1, "minute": 37}
